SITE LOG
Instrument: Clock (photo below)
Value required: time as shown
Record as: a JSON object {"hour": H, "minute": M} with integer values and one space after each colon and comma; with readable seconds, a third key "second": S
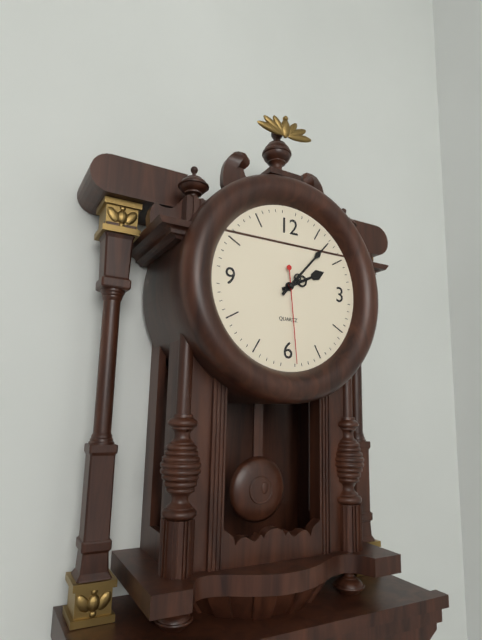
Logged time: {"hour": 2, "minute": 7, "second": 29}
